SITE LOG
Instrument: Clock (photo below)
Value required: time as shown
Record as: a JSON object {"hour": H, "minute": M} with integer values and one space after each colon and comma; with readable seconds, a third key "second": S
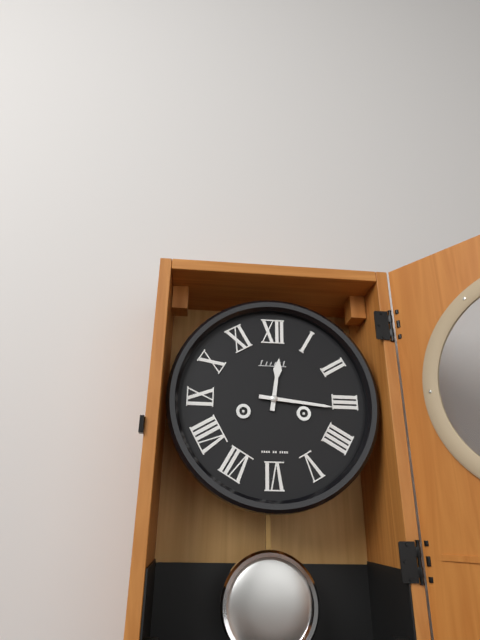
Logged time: {"hour": 12, "minute": 16}
